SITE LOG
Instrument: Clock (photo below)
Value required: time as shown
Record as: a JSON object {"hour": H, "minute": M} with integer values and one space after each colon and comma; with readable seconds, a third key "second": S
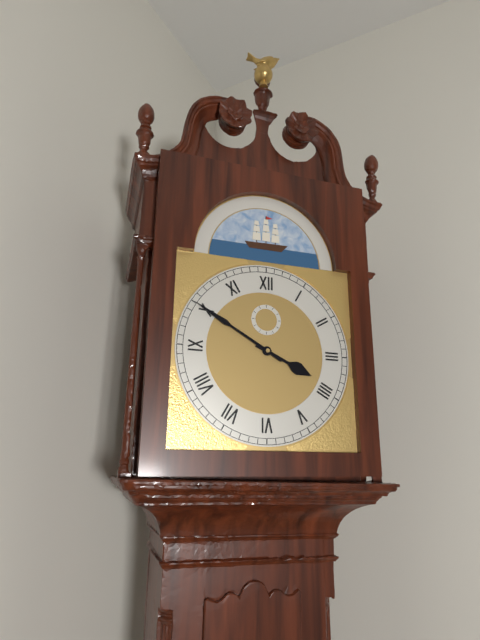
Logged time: {"hour": 3, "minute": 50}
